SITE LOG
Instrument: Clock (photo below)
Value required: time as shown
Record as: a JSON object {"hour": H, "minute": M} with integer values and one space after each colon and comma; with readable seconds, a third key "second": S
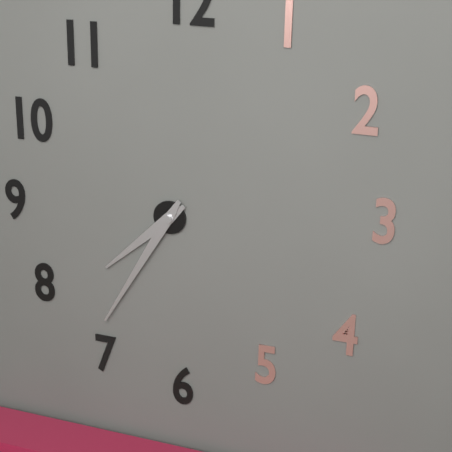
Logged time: {"hour": 7, "minute": 35}
